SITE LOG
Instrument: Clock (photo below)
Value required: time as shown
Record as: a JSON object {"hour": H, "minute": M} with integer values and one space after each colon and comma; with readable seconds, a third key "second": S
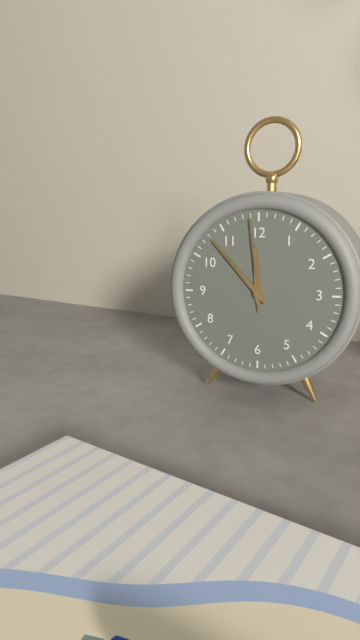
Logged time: {"hour": 11, "minute": 53, "second": 59}
